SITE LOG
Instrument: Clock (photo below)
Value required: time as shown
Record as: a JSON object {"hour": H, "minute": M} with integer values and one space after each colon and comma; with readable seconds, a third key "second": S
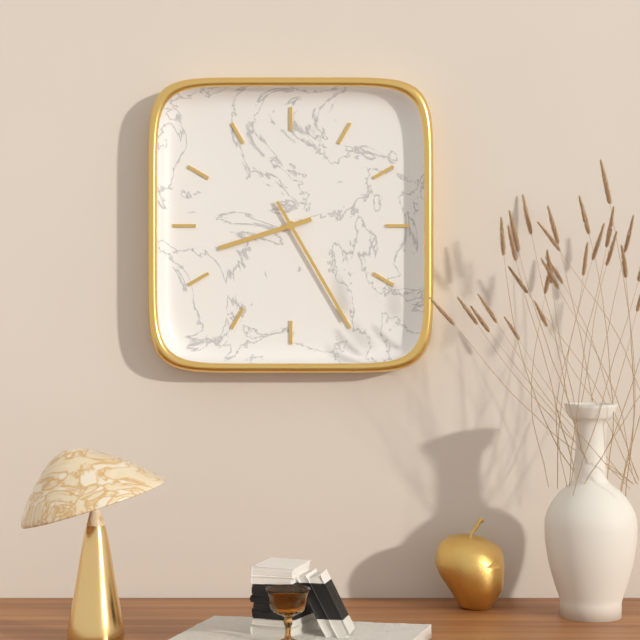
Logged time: {"hour": 8, "minute": 25}
